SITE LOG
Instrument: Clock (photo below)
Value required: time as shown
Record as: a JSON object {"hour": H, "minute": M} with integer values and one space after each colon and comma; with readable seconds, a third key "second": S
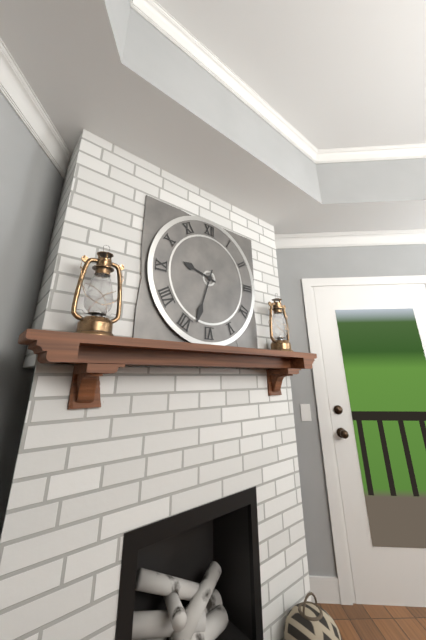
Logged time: {"hour": 9, "minute": 33}
